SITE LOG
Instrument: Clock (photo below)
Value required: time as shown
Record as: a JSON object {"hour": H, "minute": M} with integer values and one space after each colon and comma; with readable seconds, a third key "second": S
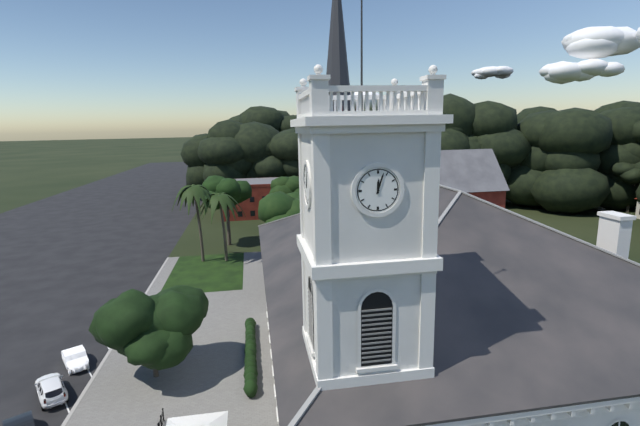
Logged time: {"hour": 12, "minute": 3}
